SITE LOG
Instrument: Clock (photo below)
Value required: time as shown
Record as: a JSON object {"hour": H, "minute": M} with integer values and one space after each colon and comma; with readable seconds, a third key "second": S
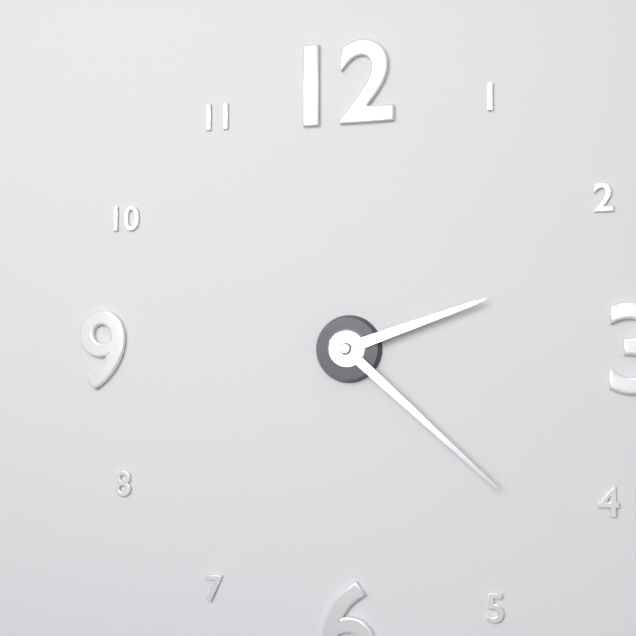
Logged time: {"hour": 2, "minute": 22}
